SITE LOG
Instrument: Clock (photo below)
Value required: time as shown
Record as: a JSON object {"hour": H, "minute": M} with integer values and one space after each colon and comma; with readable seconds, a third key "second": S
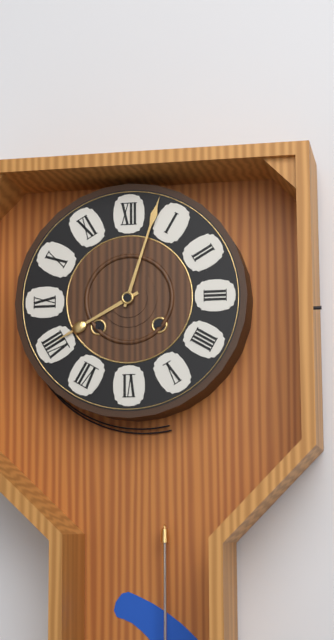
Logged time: {"hour": 8, "minute": 3}
